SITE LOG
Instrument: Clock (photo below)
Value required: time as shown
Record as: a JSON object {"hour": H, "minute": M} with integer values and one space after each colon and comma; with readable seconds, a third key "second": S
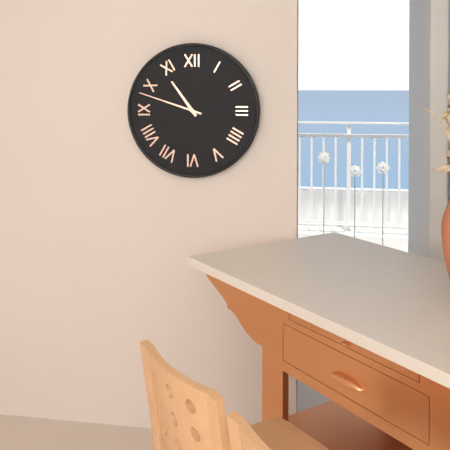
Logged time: {"hour": 10, "minute": 48}
